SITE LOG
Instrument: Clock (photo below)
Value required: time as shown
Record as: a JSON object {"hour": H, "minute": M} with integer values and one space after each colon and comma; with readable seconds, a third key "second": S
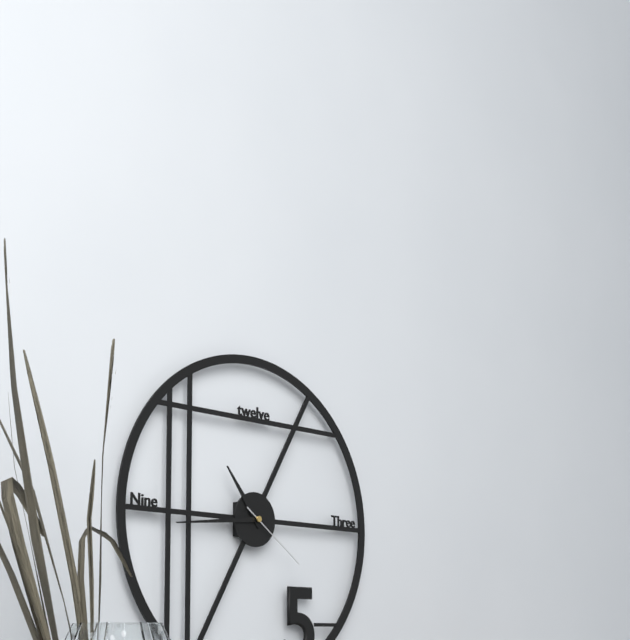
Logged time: {"hour": 10, "minute": 44, "second": 21}
